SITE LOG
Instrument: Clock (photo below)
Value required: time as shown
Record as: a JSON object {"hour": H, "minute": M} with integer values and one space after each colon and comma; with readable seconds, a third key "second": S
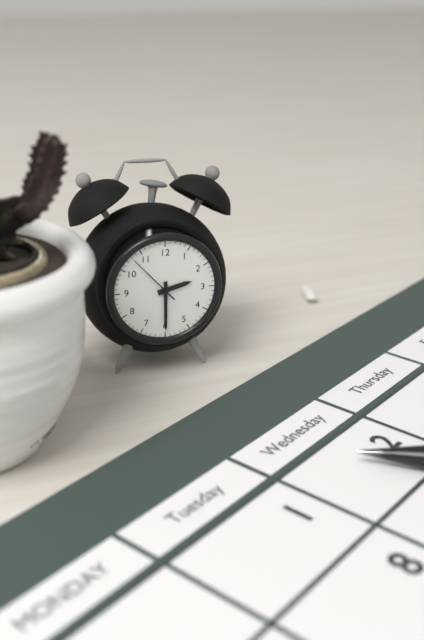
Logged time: {"hour": 2, "minute": 30, "second": 53}
